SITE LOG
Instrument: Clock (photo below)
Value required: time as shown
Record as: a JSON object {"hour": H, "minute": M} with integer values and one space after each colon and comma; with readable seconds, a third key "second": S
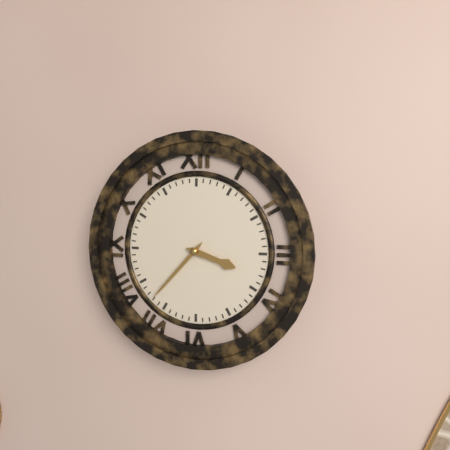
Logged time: {"hour": 3, "minute": 37}
